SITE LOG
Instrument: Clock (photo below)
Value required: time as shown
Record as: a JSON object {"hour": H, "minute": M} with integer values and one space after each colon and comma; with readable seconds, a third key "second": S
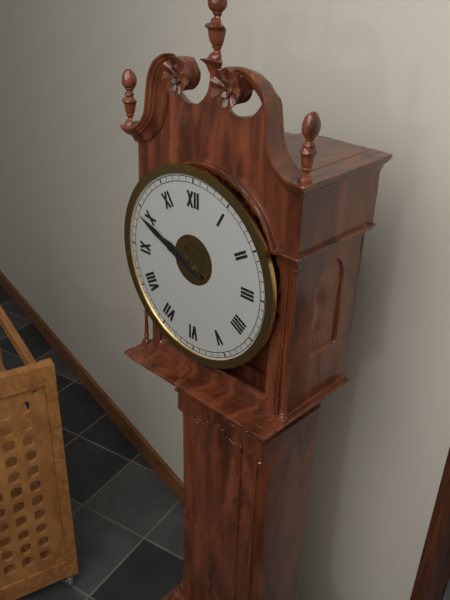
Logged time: {"hour": 9, "minute": 49}
